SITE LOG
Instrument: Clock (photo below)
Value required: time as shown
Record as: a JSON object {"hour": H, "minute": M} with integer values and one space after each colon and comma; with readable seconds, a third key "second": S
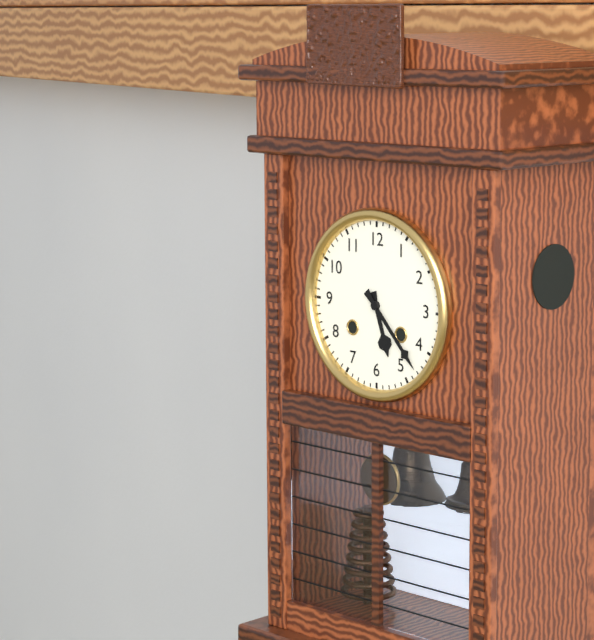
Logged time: {"hour": 5, "minute": 23}
